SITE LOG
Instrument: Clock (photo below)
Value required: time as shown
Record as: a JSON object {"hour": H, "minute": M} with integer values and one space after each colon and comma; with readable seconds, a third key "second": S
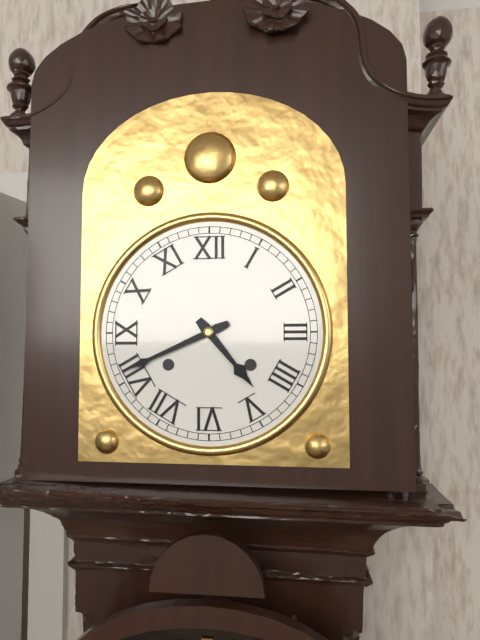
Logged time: {"hour": 4, "minute": 41}
